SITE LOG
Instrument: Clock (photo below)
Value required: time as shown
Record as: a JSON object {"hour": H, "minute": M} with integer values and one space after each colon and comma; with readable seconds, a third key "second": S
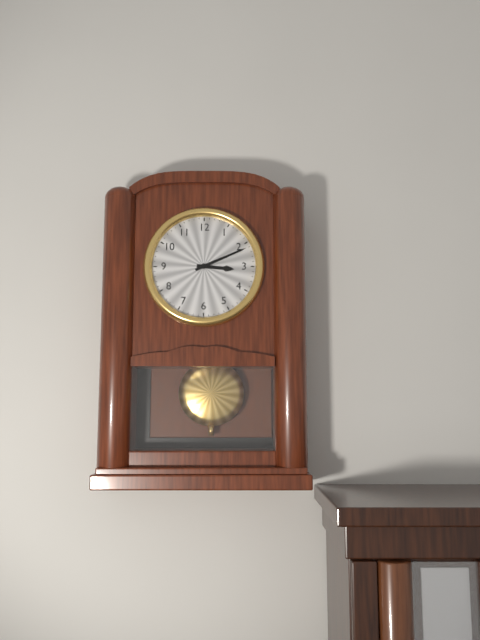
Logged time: {"hour": 3, "minute": 11}
